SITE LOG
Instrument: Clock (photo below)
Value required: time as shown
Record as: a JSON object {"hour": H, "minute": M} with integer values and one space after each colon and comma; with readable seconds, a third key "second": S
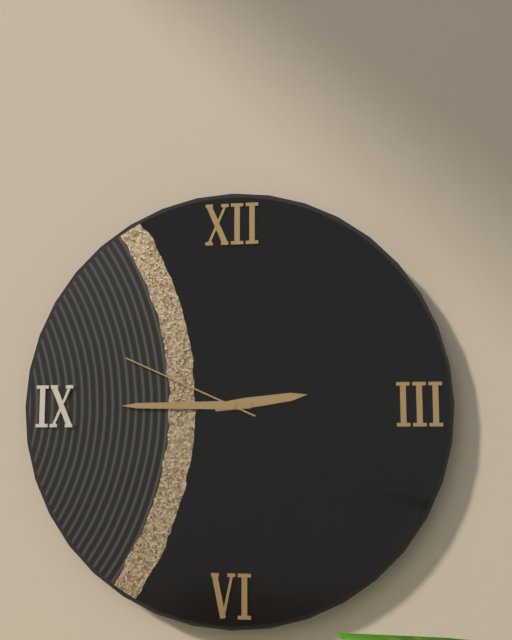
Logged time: {"hour": 2, "minute": 45, "second": 49}
